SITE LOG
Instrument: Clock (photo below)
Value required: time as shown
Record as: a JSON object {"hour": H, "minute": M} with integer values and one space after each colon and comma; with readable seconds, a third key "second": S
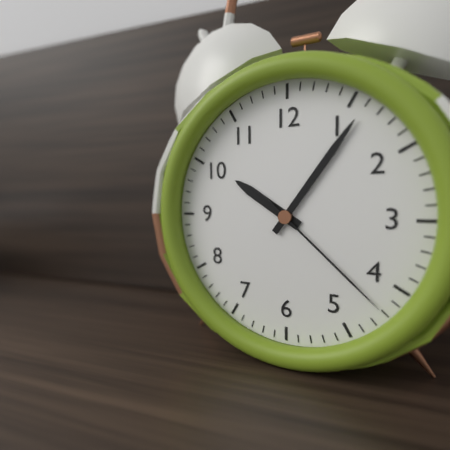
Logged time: {"hour": 10, "minute": 6, "second": 22}
